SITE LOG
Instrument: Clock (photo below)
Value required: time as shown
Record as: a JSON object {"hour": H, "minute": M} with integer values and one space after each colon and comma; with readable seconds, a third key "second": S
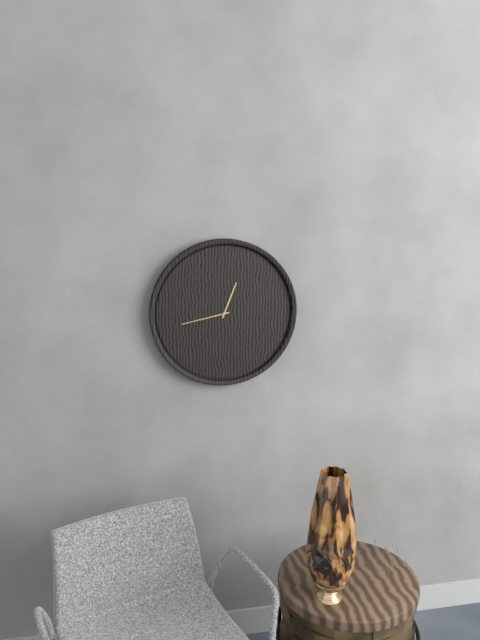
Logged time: {"hour": 12, "minute": 43}
